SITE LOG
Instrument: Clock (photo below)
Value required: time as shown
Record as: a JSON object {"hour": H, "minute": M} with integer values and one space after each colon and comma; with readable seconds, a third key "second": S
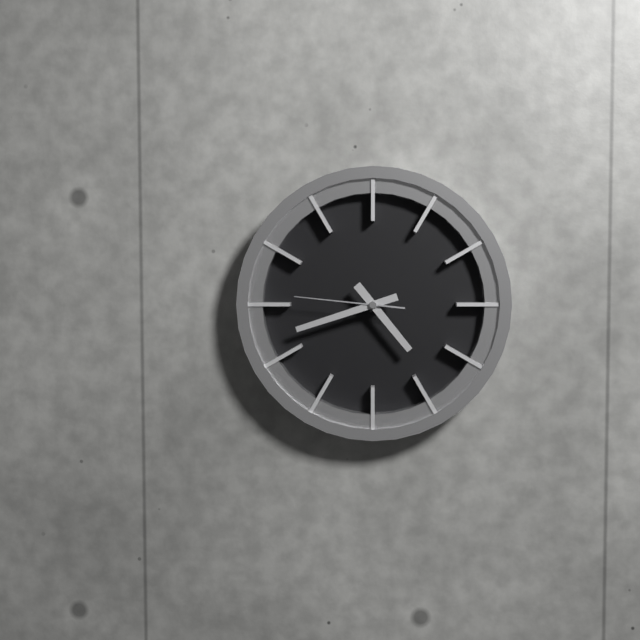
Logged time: {"hour": 4, "minute": 42, "second": 46}
